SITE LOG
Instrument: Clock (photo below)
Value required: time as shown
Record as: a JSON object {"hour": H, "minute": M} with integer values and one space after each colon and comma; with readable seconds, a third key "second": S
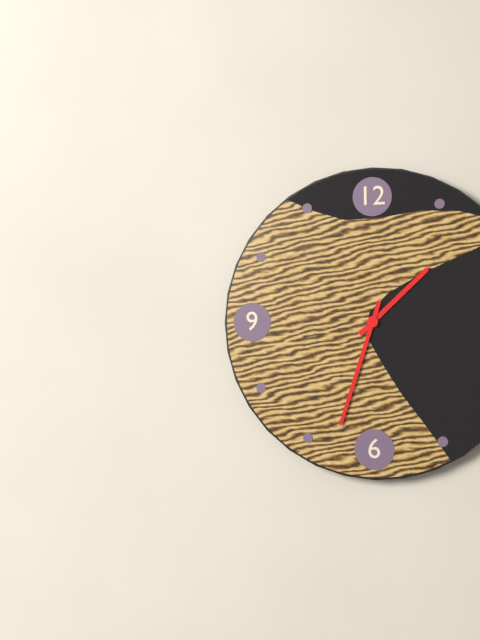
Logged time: {"hour": 1, "minute": 33}
